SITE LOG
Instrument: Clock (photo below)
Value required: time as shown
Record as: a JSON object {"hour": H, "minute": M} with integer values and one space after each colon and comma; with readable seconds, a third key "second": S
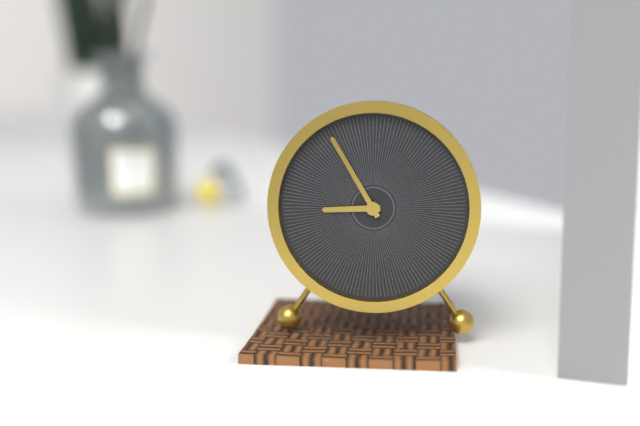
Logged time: {"hour": 8, "minute": 55}
